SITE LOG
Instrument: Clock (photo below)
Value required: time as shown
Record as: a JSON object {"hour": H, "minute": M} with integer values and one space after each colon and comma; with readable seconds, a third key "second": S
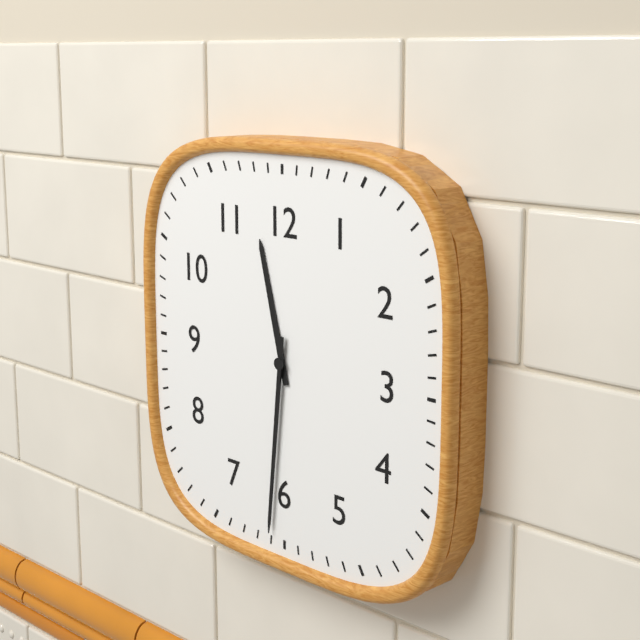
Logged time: {"hour": 11, "minute": 31}
